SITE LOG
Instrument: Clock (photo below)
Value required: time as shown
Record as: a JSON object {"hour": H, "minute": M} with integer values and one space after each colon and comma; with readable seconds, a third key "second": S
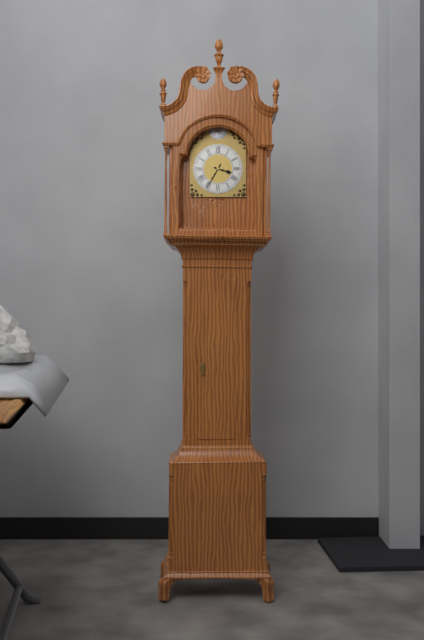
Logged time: {"hour": 3, "minute": 35}
